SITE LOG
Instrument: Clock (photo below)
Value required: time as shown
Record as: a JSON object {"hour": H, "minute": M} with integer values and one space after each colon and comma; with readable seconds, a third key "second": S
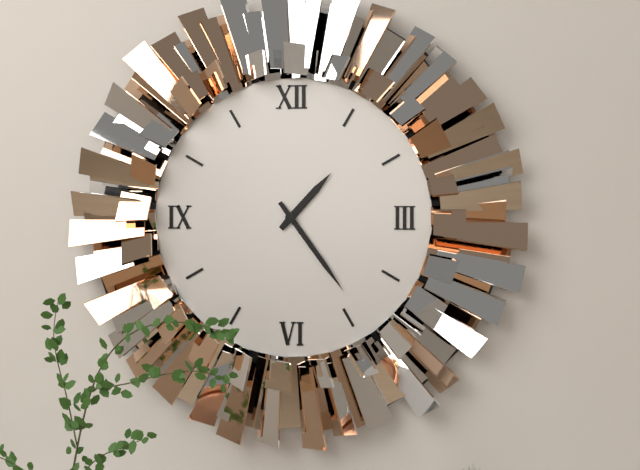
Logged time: {"hour": 1, "minute": 24}
